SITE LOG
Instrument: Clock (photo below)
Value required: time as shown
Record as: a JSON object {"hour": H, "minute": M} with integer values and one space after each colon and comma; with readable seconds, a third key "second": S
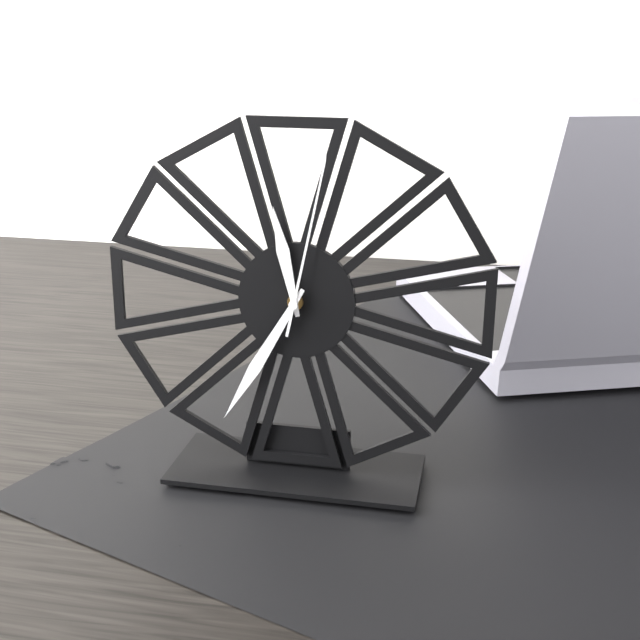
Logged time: {"hour": 11, "minute": 35, "second": 2}
